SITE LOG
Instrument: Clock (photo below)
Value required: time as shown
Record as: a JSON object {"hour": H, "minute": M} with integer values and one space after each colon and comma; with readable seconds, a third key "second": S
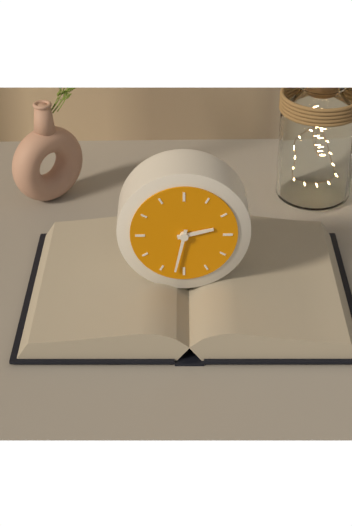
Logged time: {"hour": 2, "minute": 32}
